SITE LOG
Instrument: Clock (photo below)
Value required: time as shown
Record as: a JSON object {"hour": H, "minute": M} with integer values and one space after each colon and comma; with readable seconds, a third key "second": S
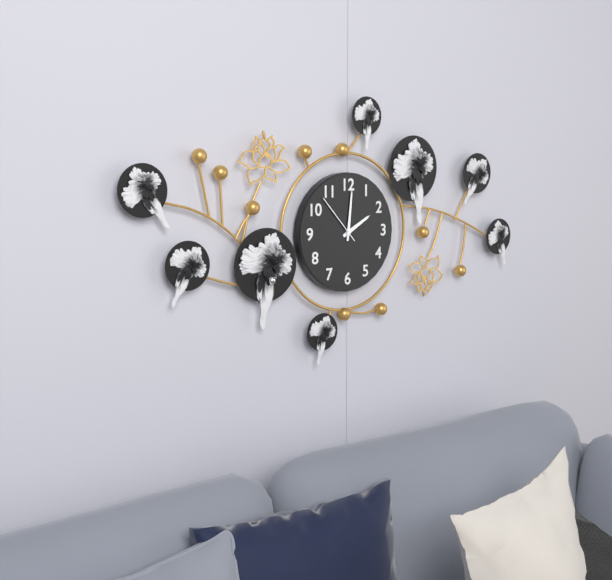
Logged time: {"hour": 2, "minute": 1, "second": 53}
